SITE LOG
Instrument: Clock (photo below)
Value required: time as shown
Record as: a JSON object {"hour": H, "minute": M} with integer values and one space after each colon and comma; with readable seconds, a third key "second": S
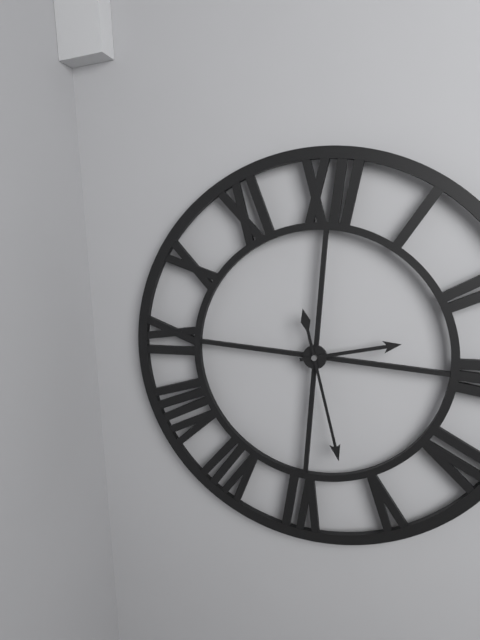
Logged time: {"hour": 2, "minute": 27}
